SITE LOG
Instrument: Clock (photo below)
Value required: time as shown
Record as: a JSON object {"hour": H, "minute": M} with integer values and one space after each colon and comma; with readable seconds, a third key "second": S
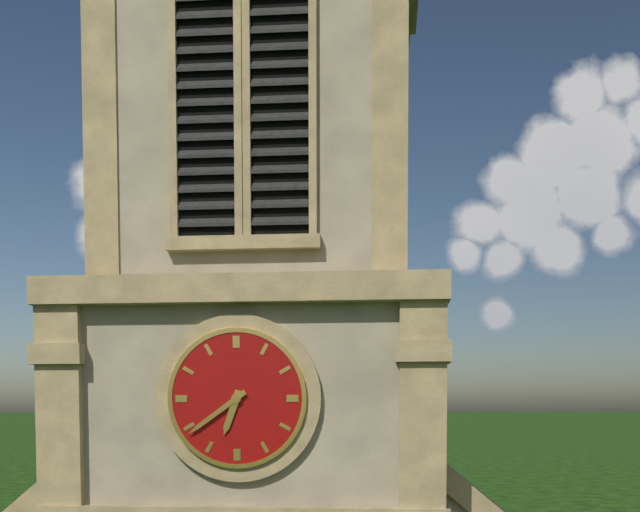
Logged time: {"hour": 6, "minute": 39}
